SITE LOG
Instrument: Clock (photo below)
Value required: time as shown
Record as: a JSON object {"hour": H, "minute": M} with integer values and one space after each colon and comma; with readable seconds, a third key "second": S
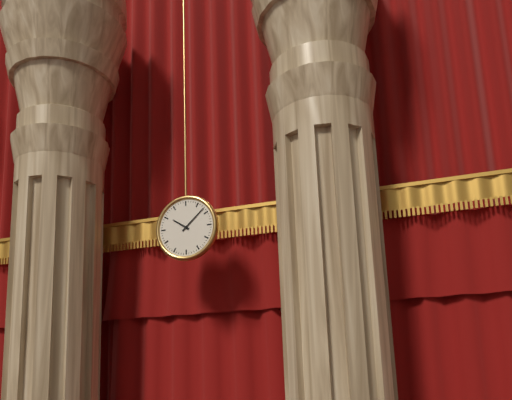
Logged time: {"hour": 10, "minute": 8}
